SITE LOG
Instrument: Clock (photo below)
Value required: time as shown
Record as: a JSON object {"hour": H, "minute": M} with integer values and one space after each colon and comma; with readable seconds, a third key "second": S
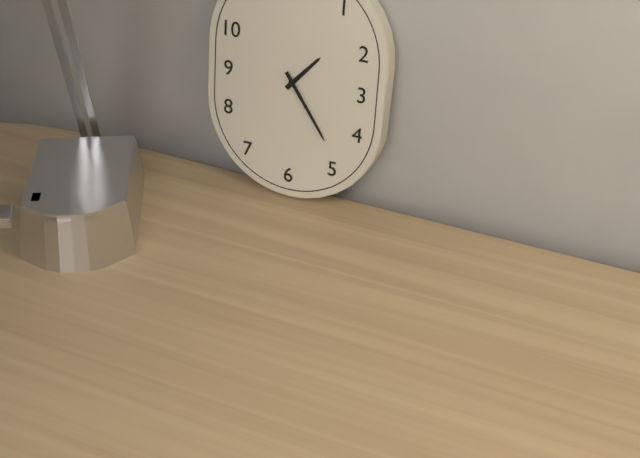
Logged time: {"hour": 1, "minute": 24}
